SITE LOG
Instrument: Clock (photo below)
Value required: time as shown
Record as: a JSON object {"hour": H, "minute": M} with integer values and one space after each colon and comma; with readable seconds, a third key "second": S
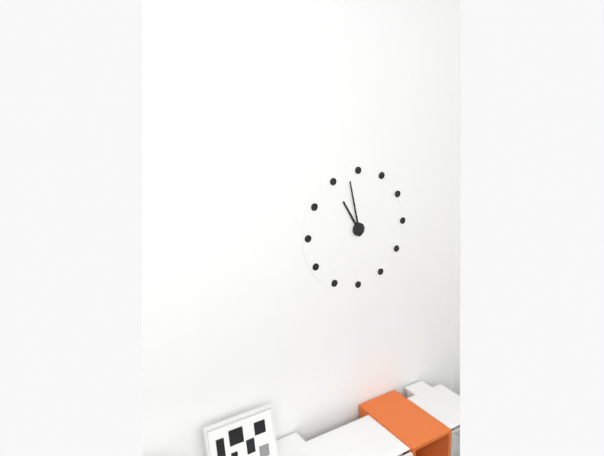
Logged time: {"hour": 10, "minute": 58}
